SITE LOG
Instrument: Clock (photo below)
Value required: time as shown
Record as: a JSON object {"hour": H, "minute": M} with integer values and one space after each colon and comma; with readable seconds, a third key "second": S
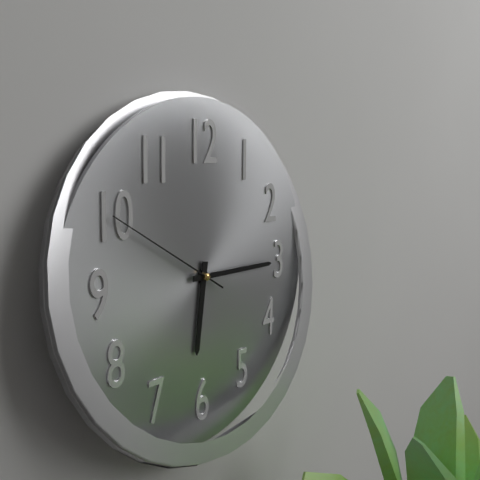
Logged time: {"hour": 6, "minute": 15, "second": 50}
